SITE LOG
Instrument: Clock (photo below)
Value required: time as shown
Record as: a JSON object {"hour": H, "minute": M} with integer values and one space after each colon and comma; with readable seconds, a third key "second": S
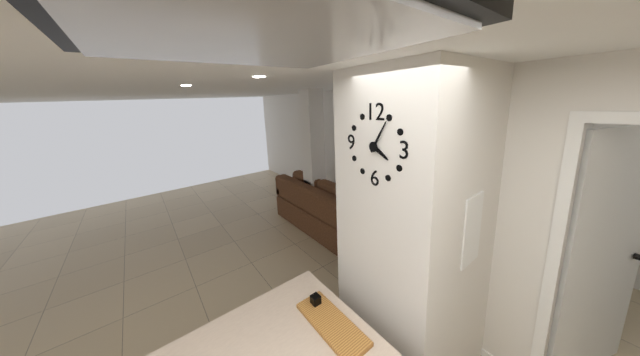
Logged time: {"hour": 4, "minute": 5}
